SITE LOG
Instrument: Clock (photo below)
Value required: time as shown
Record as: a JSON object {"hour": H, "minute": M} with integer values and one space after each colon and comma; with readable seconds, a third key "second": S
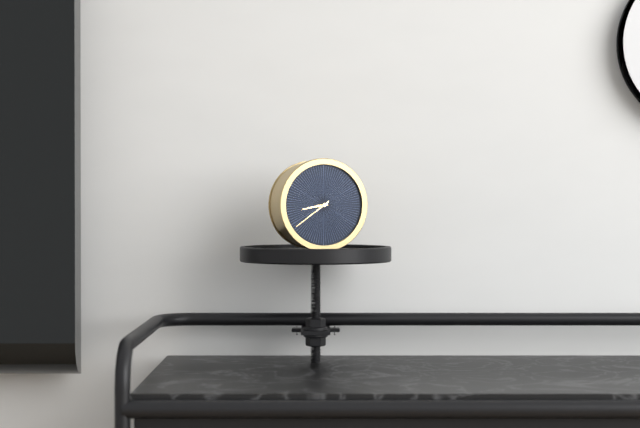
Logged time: {"hour": 8, "minute": 39}
